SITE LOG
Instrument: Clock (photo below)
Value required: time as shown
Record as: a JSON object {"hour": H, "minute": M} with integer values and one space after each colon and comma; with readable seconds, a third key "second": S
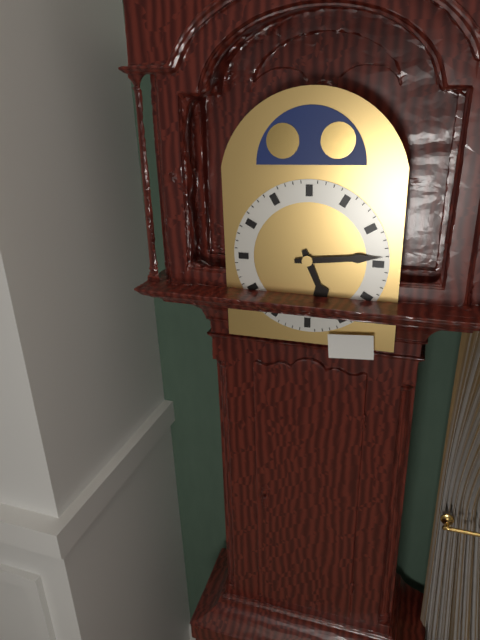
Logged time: {"hour": 5, "minute": 14}
